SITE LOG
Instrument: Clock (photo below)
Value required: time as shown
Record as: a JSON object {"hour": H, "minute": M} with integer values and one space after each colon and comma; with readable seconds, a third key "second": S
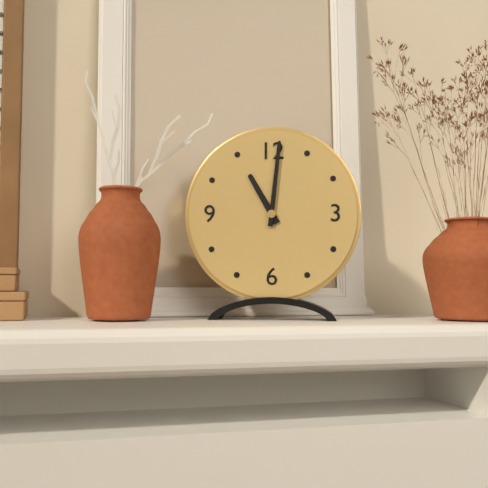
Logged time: {"hour": 11, "minute": 1}
